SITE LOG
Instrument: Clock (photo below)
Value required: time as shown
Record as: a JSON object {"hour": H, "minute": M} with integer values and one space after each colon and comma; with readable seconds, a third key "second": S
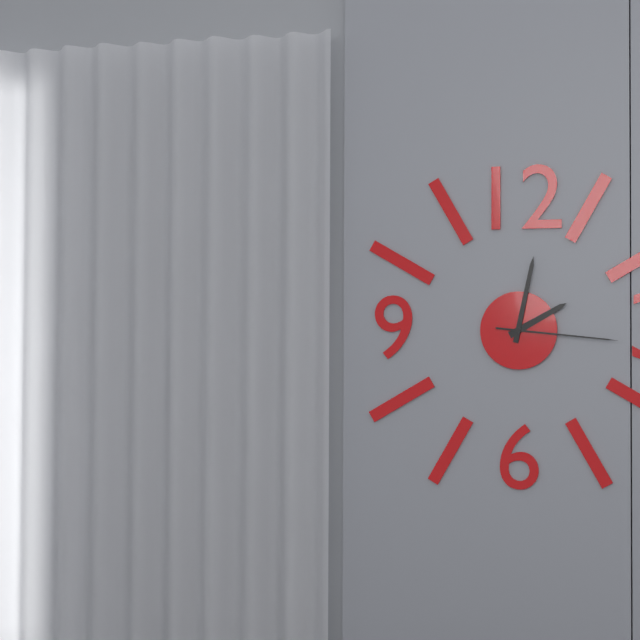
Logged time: {"hour": 2, "minute": 2, "second": 16}
